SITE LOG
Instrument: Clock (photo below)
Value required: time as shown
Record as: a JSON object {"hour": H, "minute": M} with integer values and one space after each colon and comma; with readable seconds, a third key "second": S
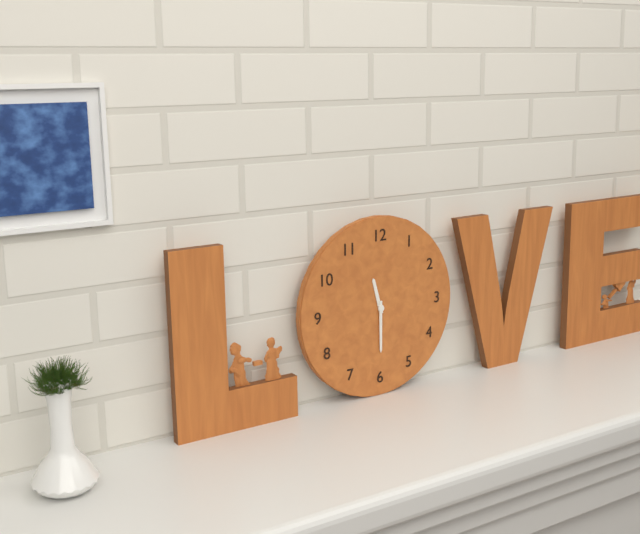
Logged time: {"hour": 11, "minute": 30}
